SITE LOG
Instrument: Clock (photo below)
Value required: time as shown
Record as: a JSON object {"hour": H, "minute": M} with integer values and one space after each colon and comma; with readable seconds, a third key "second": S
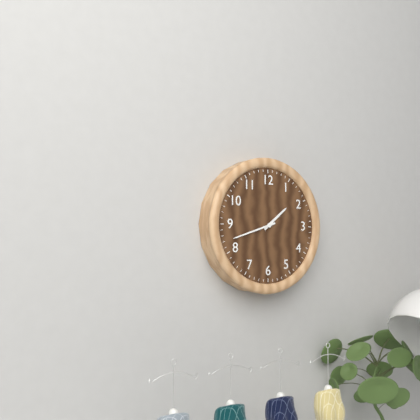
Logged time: {"hour": 1, "minute": 42}
